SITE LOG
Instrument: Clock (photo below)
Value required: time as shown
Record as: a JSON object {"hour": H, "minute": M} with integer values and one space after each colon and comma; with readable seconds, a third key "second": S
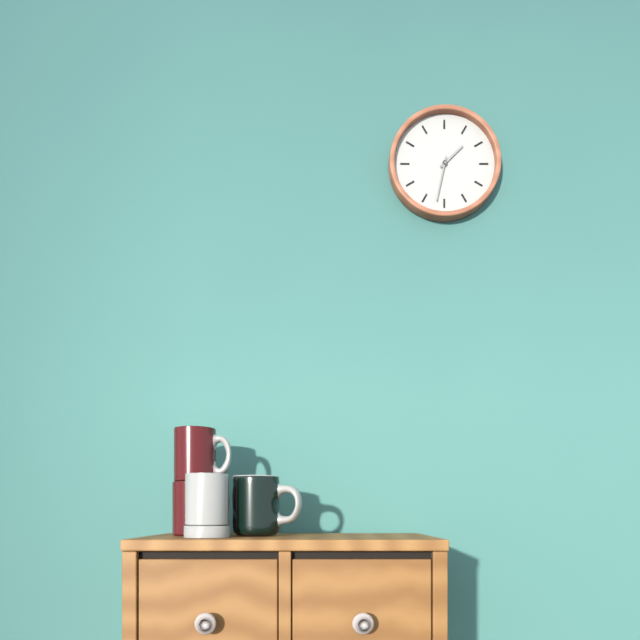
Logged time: {"hour": 1, "minute": 32}
